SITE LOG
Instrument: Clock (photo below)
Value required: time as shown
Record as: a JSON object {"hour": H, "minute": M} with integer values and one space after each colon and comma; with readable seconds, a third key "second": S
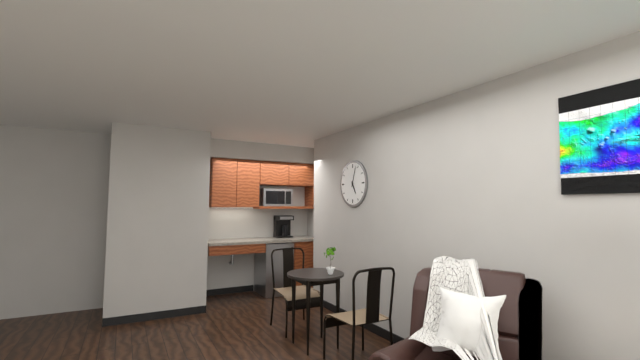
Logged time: {"hour": 5, "minute": 3}
